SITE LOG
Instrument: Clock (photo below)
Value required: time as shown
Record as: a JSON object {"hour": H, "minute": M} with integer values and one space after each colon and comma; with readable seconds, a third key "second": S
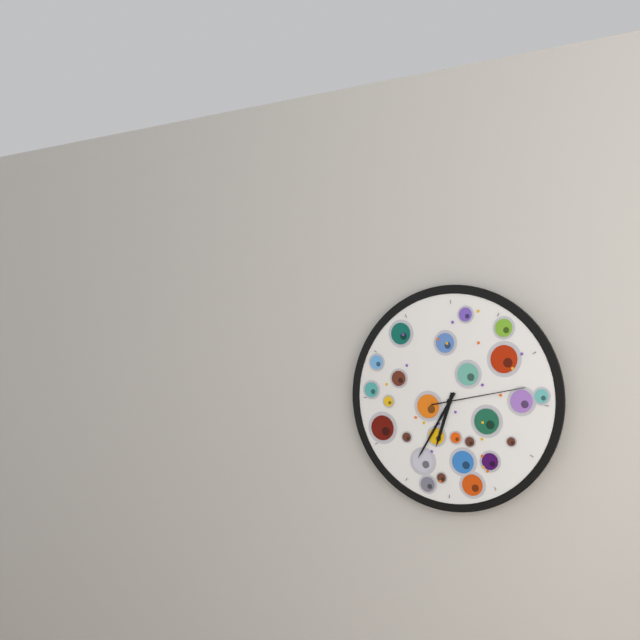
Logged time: {"hour": 6, "minute": 35, "second": 13}
